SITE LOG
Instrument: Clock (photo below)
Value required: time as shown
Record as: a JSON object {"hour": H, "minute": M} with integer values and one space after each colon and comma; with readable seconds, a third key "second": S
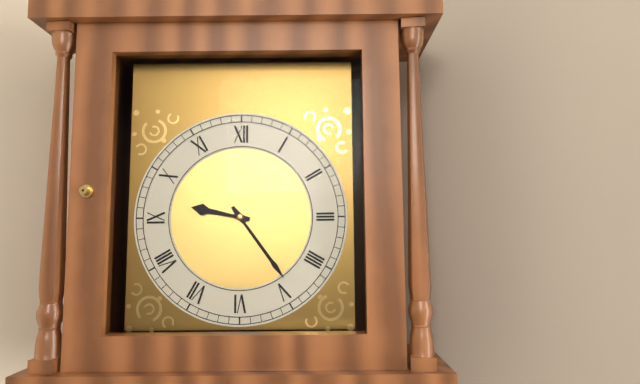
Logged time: {"hour": 9, "minute": 24}
